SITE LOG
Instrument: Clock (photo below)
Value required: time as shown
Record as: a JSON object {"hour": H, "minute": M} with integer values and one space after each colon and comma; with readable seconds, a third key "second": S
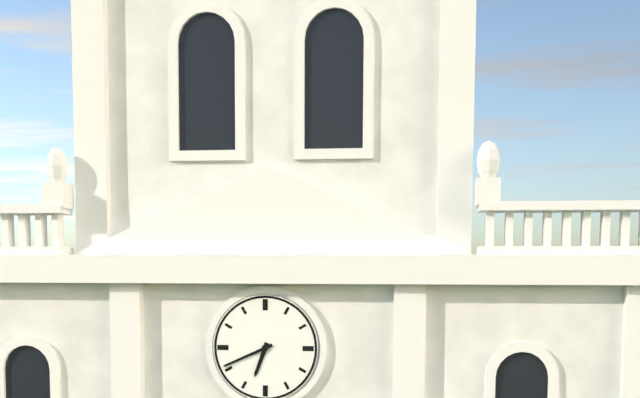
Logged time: {"hour": 6, "minute": 41}
